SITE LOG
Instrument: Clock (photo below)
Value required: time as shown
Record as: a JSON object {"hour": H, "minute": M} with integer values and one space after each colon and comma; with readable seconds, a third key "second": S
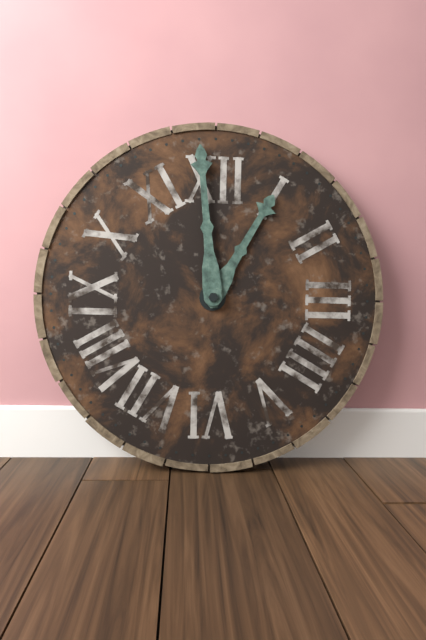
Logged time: {"hour": 12, "minute": 59}
